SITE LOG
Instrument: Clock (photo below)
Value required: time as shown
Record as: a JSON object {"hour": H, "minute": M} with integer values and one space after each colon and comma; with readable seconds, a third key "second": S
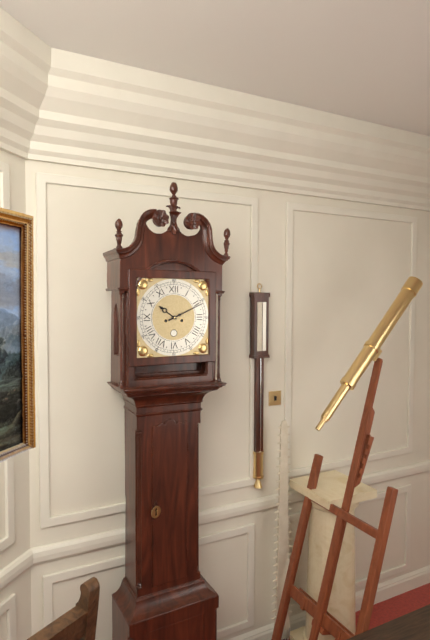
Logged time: {"hour": 10, "minute": 11}
